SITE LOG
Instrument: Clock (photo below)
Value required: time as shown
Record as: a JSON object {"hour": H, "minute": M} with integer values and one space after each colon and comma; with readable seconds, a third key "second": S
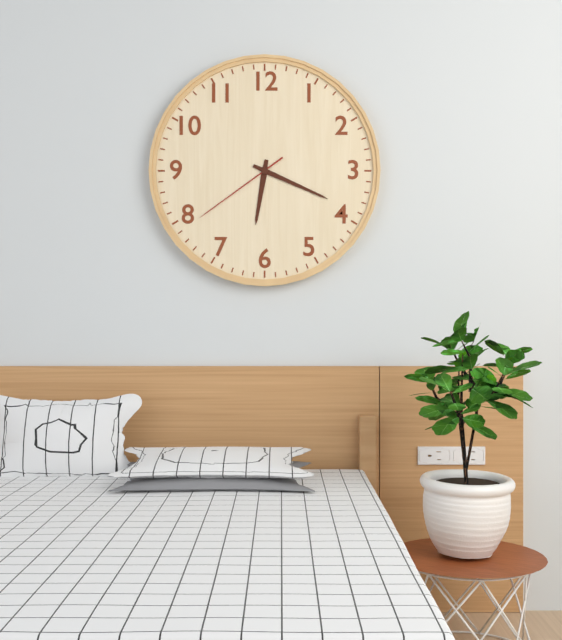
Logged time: {"hour": 6, "minute": 19, "second": 39}
